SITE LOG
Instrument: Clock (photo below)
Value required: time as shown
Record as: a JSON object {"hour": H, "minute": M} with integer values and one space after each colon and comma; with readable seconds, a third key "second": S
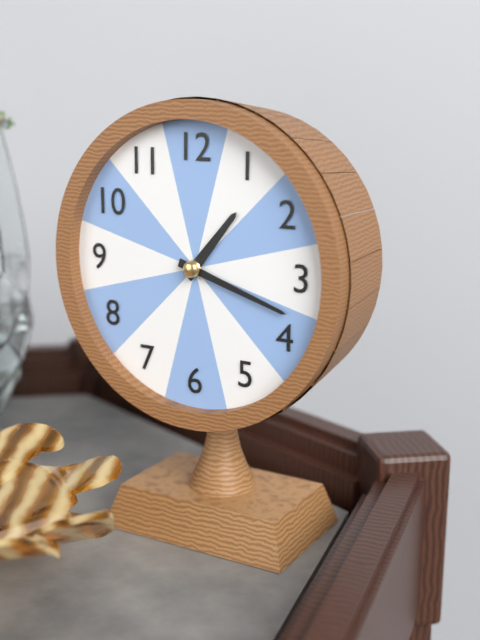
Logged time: {"hour": 1, "minute": 18}
